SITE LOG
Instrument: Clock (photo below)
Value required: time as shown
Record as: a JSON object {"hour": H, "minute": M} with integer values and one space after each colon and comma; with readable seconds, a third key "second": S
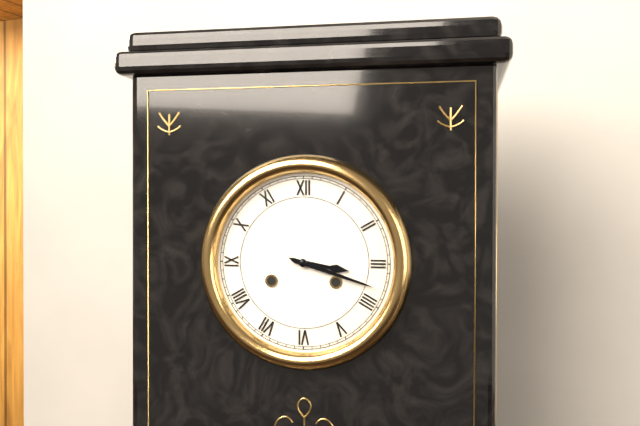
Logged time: {"hour": 3, "minute": 18}
